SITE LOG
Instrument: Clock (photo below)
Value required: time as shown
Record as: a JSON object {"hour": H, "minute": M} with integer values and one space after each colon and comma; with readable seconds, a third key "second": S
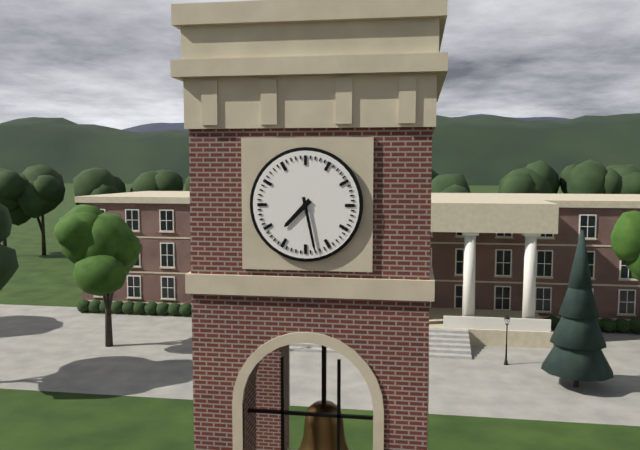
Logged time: {"hour": 7, "minute": 28}
